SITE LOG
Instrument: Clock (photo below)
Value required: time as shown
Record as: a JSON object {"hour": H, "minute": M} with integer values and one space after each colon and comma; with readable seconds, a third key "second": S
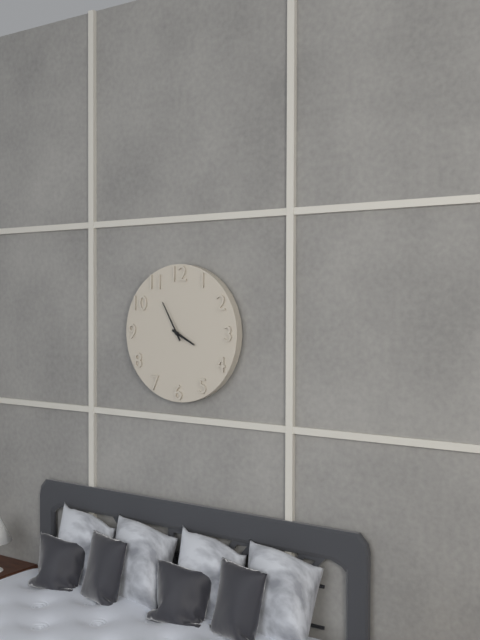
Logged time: {"hour": 3, "minute": 55}
